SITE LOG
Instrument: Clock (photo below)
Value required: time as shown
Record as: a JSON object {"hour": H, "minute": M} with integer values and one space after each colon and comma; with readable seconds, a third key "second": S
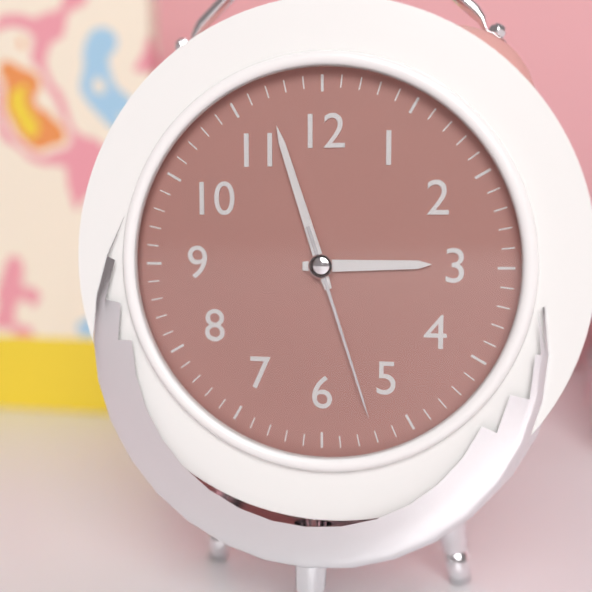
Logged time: {"hour": 2, "minute": 57, "second": 27}
